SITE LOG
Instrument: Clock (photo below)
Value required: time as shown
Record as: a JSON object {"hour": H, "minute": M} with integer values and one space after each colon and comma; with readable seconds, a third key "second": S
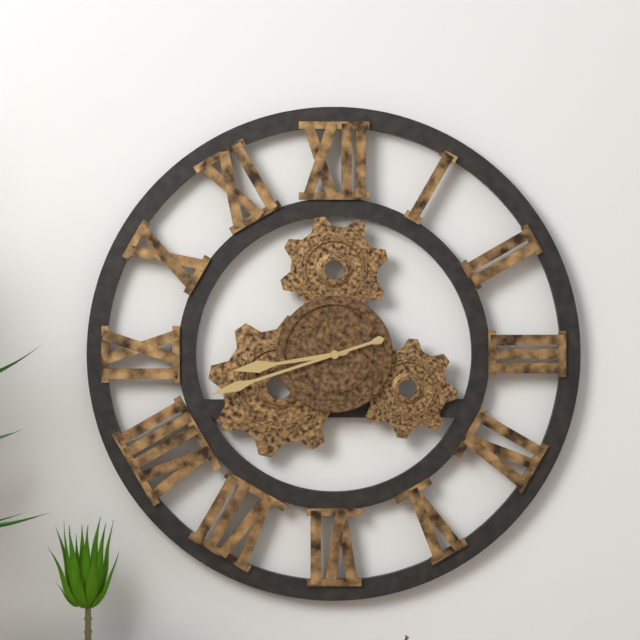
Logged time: {"hour": 8, "minute": 42}
